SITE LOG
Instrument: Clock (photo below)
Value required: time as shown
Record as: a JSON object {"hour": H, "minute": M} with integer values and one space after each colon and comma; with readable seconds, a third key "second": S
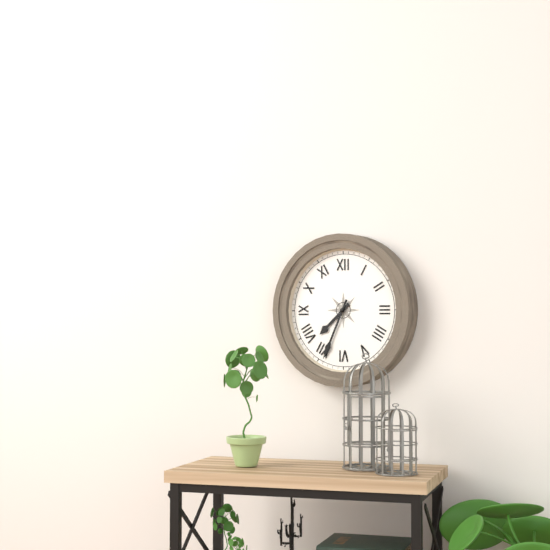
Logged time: {"hour": 7, "minute": 34}
